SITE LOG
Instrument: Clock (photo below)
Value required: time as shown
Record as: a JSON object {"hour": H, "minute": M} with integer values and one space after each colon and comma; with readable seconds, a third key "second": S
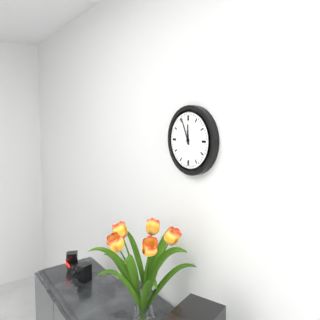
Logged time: {"hour": 11, "minute": 56}
